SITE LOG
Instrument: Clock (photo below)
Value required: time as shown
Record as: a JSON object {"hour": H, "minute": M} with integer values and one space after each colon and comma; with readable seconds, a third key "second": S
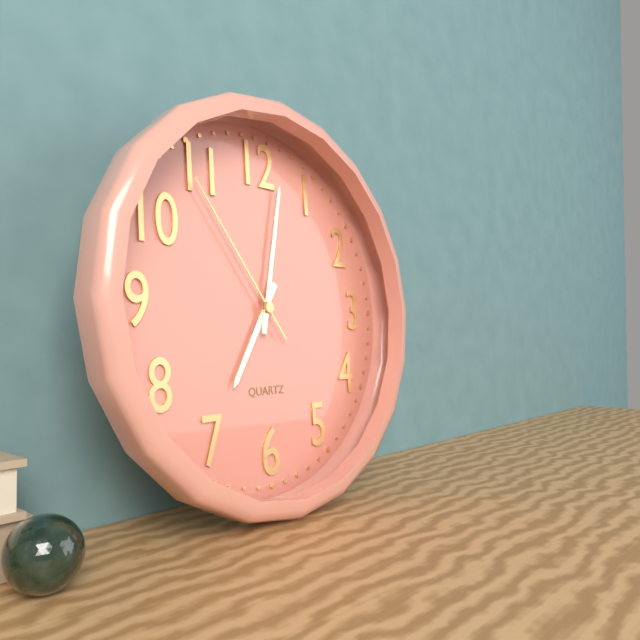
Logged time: {"hour": 7, "minute": 2, "second": 54}
